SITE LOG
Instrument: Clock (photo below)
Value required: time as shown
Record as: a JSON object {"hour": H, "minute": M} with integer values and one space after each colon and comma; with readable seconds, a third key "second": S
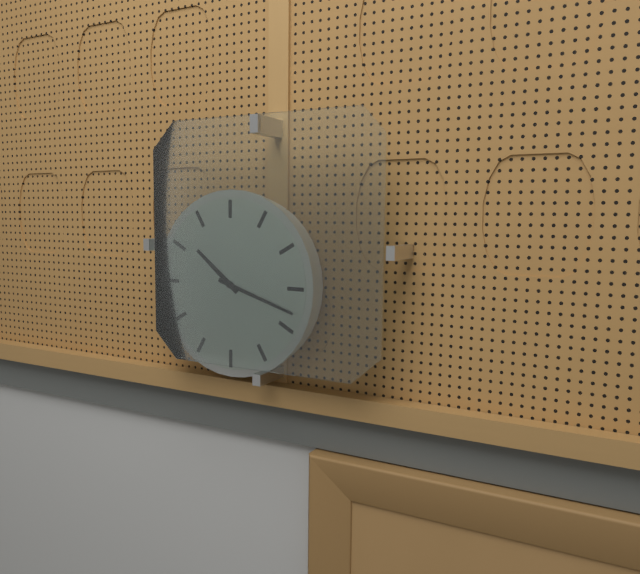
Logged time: {"hour": 10, "minute": 18}
